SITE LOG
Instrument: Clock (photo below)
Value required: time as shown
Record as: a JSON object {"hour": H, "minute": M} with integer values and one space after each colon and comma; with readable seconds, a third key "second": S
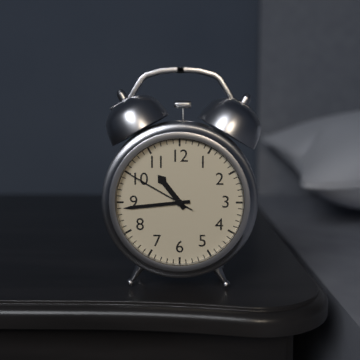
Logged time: {"hour": 10, "minute": 44, "second": 50}
